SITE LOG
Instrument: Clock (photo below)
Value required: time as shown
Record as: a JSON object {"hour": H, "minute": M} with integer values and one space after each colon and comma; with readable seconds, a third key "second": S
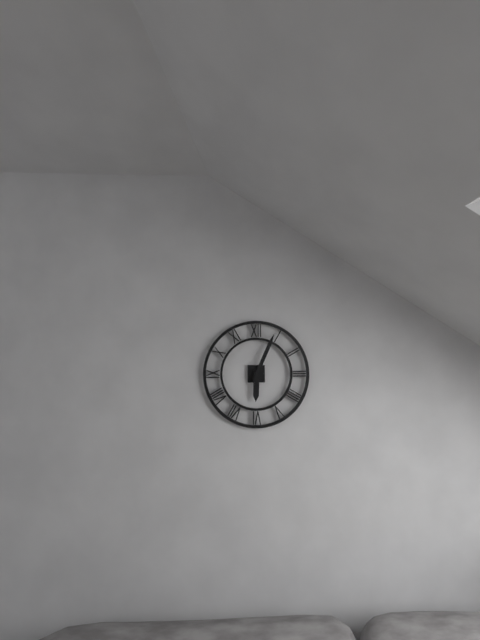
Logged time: {"hour": 6, "minute": 4}
